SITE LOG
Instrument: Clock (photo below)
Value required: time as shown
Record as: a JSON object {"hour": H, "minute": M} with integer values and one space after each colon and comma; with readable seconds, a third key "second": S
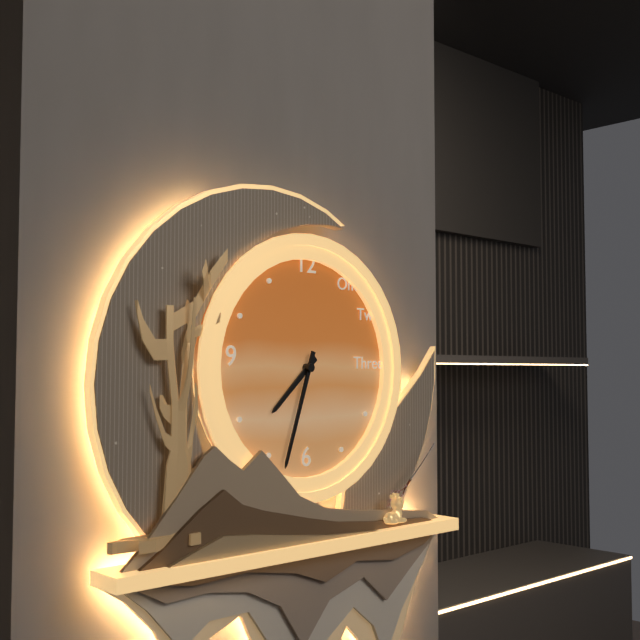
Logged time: {"hour": 7, "minute": 33}
